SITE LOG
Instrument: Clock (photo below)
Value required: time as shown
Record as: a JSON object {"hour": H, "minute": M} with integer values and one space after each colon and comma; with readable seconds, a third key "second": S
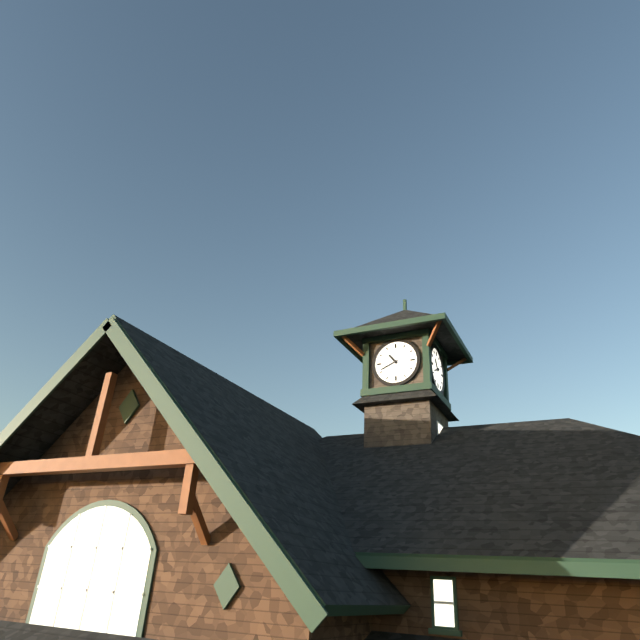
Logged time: {"hour": 10, "minute": 41}
